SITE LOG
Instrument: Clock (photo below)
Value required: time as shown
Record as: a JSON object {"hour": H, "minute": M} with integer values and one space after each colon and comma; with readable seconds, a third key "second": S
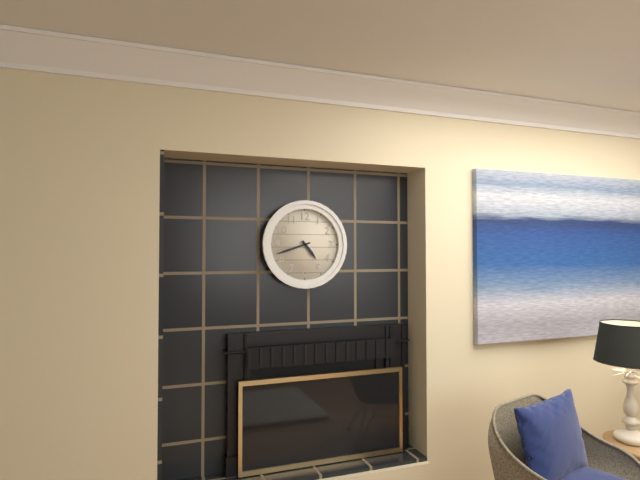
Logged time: {"hour": 4, "minute": 42}
